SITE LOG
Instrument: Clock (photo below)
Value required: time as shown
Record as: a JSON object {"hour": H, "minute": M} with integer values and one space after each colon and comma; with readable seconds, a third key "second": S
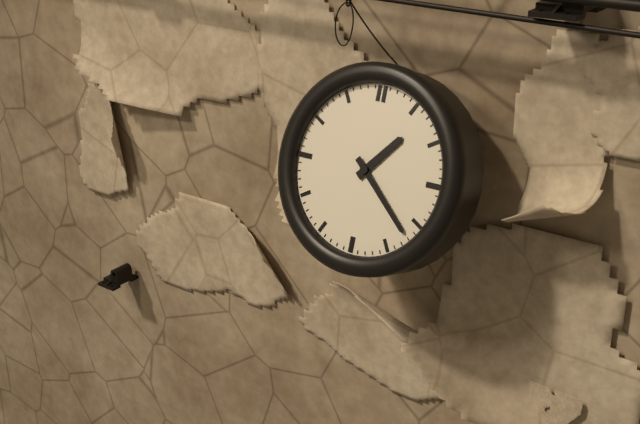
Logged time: {"hour": 1, "minute": 22}
